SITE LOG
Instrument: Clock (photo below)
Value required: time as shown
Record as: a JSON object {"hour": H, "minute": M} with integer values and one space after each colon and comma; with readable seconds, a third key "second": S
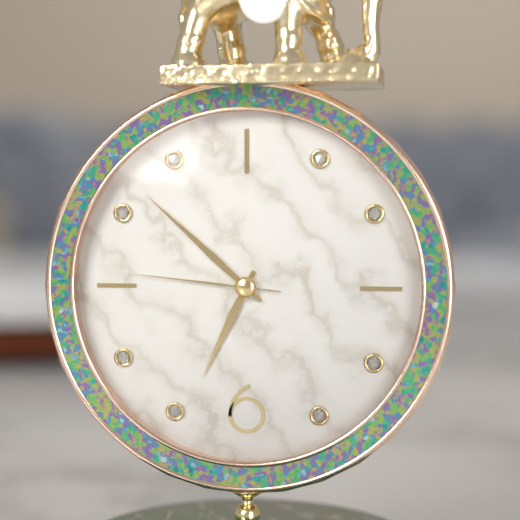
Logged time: {"hour": 6, "minute": 52, "second": 46}
